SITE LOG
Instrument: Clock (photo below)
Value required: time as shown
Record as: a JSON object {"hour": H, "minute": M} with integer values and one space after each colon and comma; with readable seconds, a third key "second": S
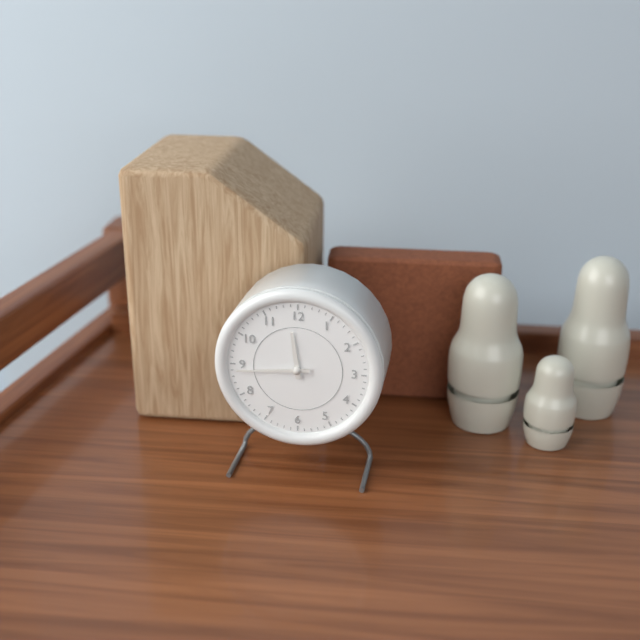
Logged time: {"hour": 11, "minute": 44}
